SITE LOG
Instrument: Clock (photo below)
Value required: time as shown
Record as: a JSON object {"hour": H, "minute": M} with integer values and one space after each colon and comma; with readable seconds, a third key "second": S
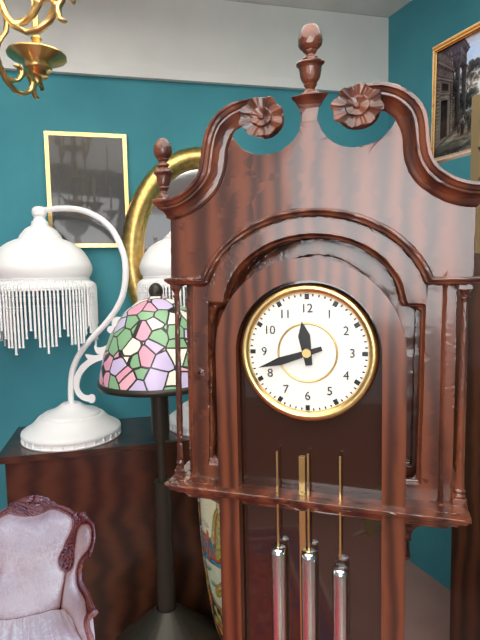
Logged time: {"hour": 11, "minute": 42}
